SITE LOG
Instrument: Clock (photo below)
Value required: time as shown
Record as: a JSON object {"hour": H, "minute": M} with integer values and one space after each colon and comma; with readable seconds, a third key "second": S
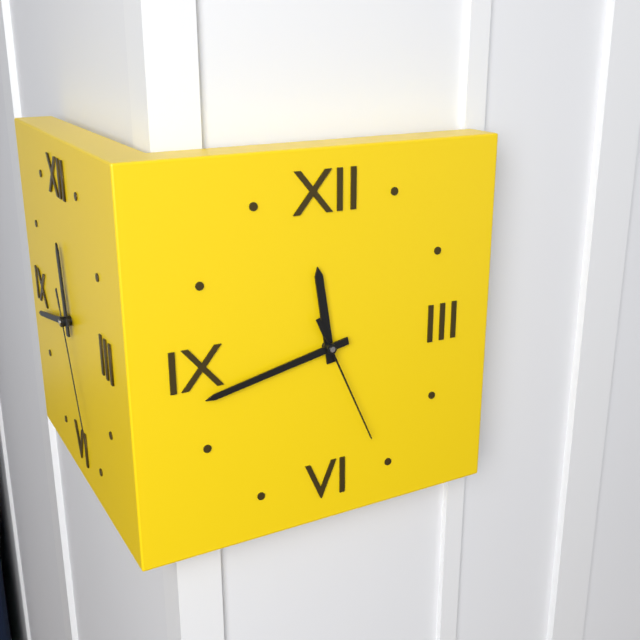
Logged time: {"hour": 11, "minute": 43, "second": 26}
